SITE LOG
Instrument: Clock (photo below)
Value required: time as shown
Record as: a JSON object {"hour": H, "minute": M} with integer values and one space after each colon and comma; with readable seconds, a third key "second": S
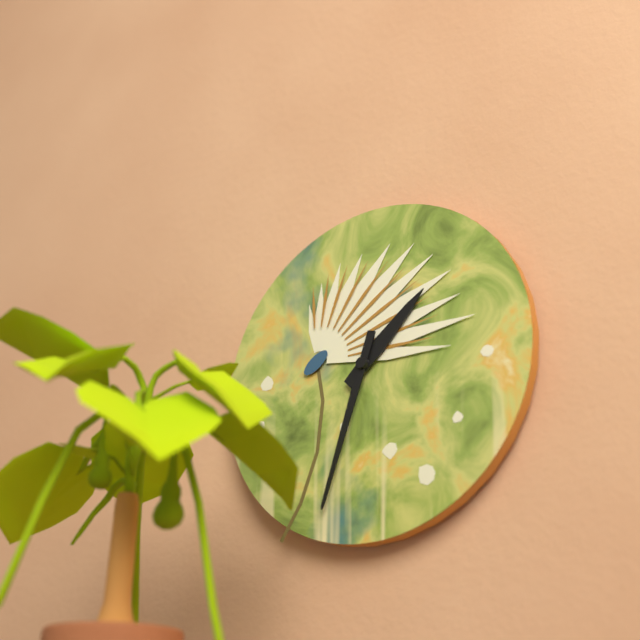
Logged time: {"hour": 1, "minute": 33}
